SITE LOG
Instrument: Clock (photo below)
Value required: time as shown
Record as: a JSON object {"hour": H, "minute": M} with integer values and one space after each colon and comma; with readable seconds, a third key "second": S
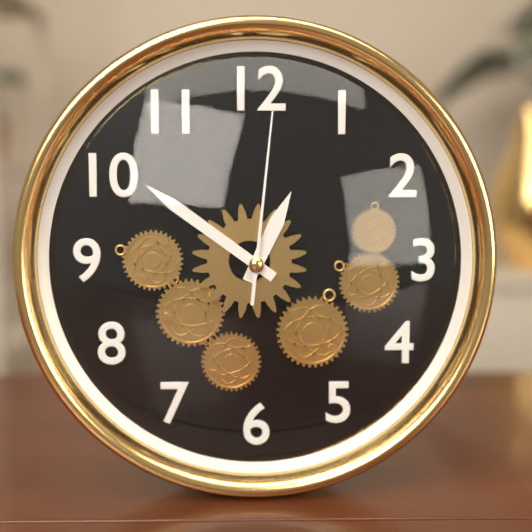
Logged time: {"hour": 12, "minute": 51, "second": 1}
